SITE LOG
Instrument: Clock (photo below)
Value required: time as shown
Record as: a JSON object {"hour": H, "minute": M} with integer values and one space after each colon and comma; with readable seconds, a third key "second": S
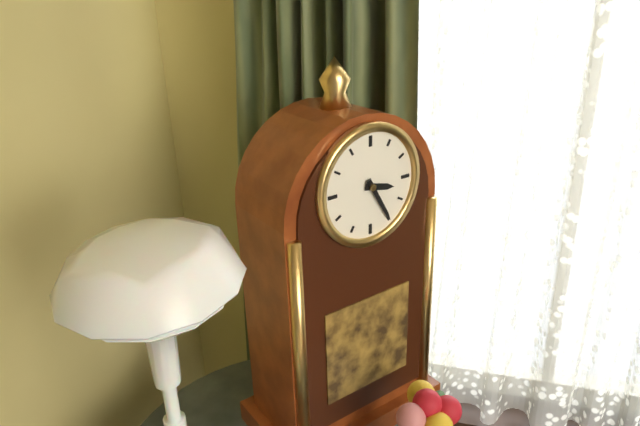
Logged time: {"hour": 3, "minute": 25}
